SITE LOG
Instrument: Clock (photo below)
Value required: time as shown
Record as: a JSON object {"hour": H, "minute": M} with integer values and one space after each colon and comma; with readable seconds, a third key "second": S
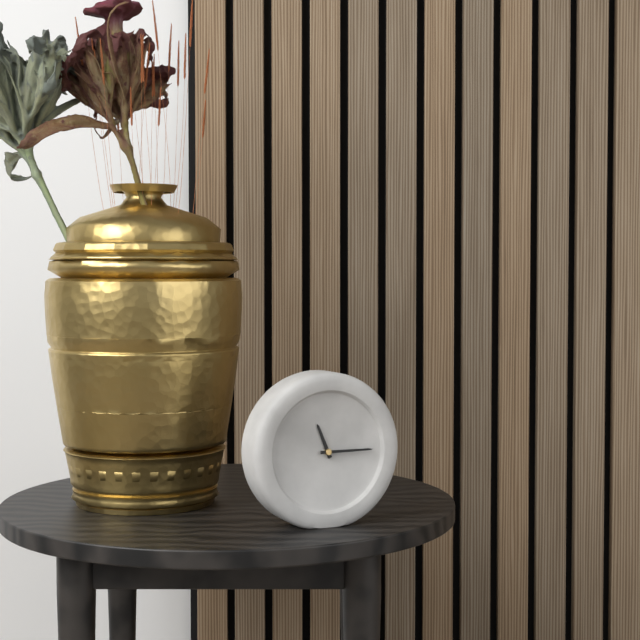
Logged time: {"hour": 11, "minute": 15}
